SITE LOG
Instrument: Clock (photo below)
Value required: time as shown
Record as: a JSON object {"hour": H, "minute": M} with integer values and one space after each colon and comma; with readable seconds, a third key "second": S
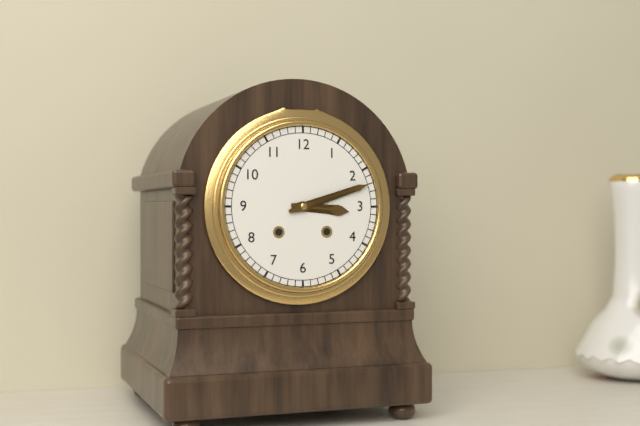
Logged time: {"hour": 3, "minute": 12}
